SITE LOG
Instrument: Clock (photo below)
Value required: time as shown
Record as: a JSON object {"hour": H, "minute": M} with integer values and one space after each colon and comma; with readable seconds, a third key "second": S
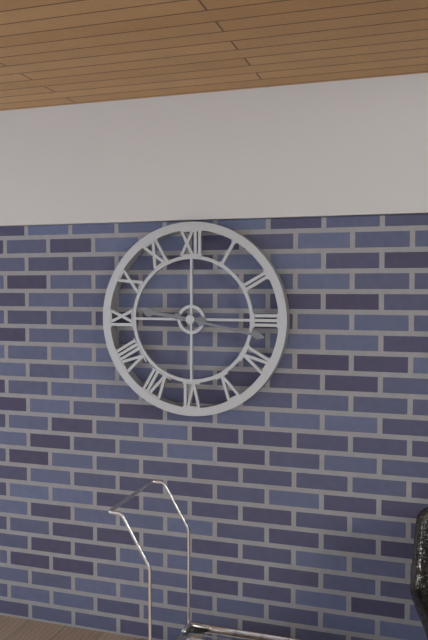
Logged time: {"hour": 9, "minute": 17}
